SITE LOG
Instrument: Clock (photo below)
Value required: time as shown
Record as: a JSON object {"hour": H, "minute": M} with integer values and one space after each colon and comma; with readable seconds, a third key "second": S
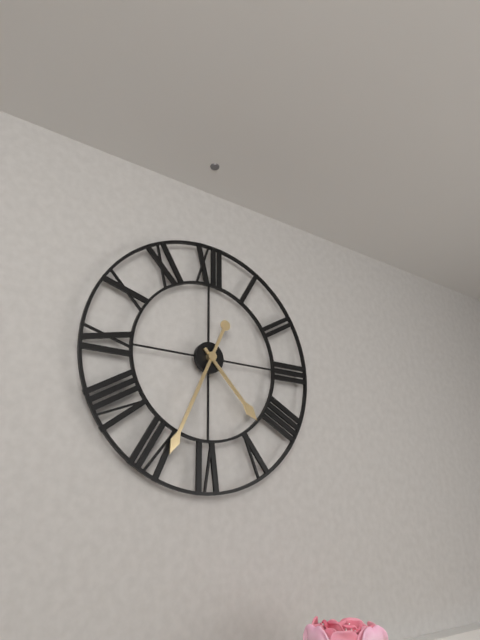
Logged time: {"hour": 4, "minute": 34}
